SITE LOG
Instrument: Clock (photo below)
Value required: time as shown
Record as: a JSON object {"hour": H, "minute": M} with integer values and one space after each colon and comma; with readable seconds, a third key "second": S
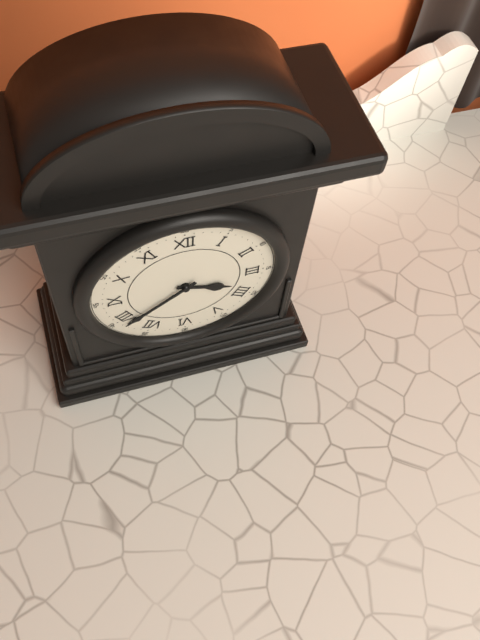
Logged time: {"hour": 3, "minute": 39}
